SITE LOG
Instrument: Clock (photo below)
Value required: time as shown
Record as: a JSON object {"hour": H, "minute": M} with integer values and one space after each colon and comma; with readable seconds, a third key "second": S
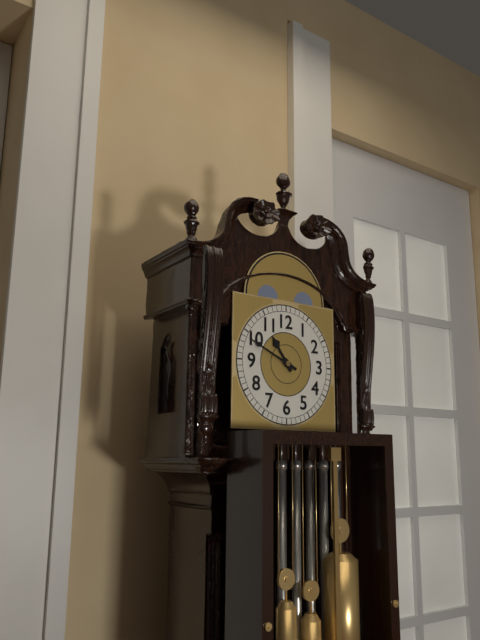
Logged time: {"hour": 10, "minute": 49}
